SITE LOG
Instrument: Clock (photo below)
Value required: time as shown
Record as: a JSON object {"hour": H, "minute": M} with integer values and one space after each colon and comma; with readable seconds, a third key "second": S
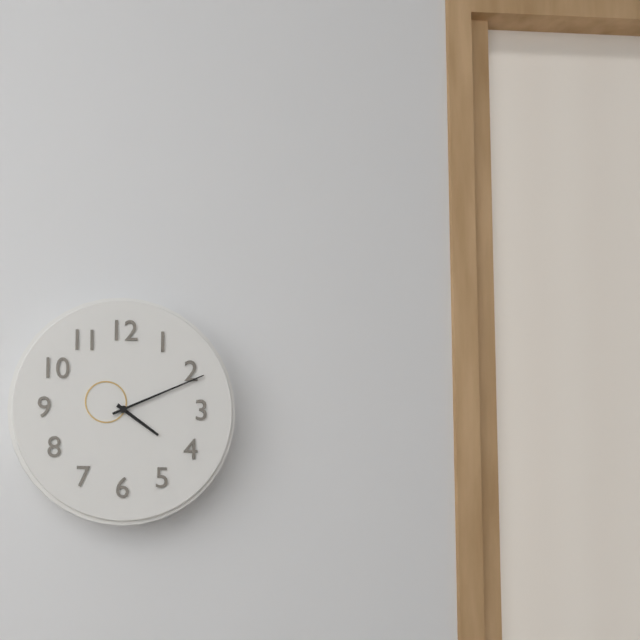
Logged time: {"hour": 4, "minute": 11}
